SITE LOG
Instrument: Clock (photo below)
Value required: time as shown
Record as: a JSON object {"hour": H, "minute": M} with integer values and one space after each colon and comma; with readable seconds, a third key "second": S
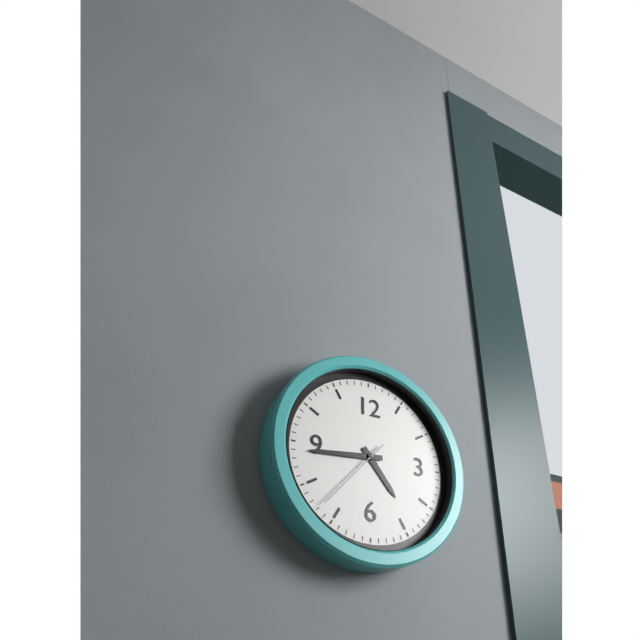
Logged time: {"hour": 4, "minute": 44, "second": 37}
